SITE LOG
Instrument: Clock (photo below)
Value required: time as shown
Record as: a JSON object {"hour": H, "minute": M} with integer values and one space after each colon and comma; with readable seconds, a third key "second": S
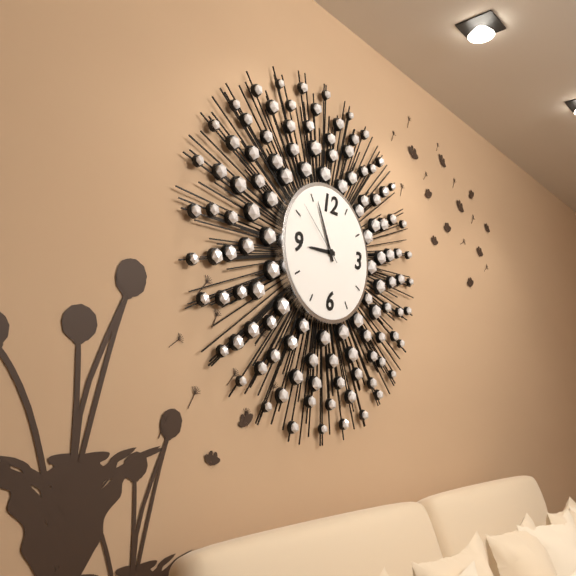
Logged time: {"hour": 8, "minute": 56, "second": 52}
